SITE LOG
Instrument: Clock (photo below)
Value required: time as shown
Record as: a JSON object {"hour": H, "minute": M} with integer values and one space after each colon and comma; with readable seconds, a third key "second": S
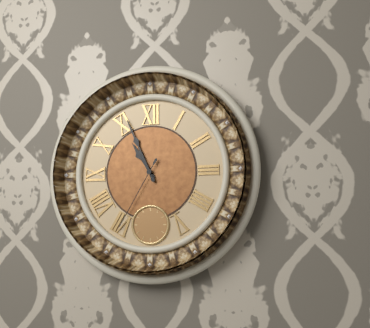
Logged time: {"hour": 10, "minute": 56, "second": 35}
